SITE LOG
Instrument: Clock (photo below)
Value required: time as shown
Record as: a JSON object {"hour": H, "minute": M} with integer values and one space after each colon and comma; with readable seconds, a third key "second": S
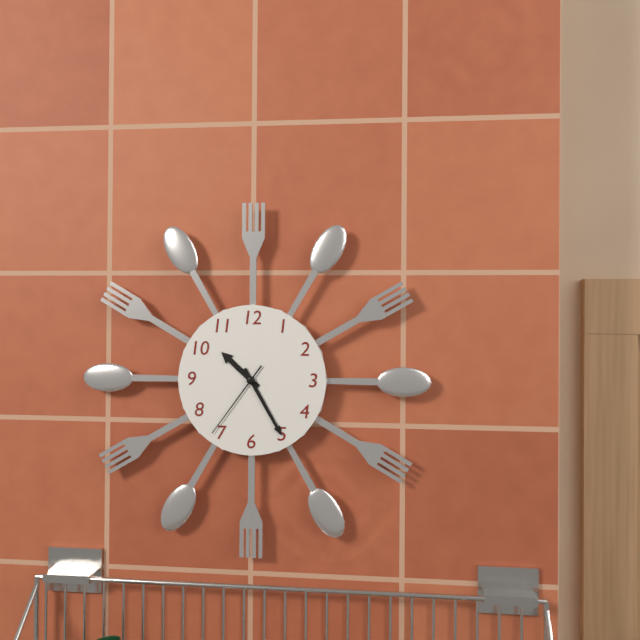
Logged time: {"hour": 10, "minute": 25, "second": 36}
